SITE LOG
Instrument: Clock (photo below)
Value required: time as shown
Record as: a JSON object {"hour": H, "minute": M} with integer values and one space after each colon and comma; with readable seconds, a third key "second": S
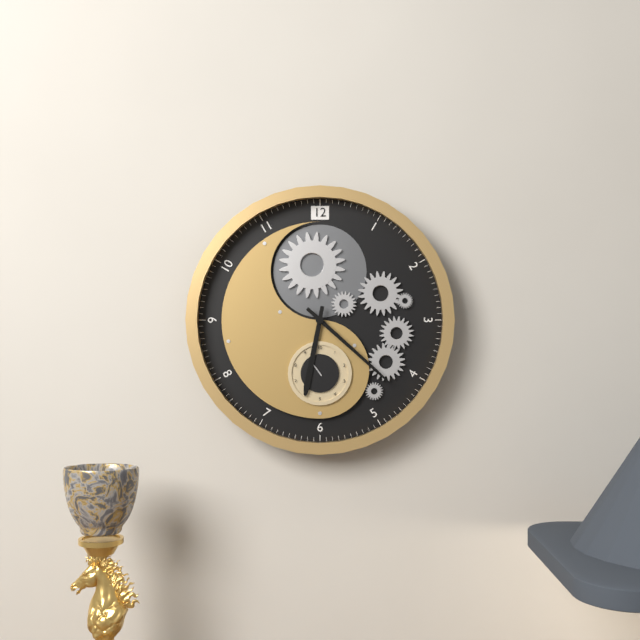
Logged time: {"hour": 6, "minute": 22}
